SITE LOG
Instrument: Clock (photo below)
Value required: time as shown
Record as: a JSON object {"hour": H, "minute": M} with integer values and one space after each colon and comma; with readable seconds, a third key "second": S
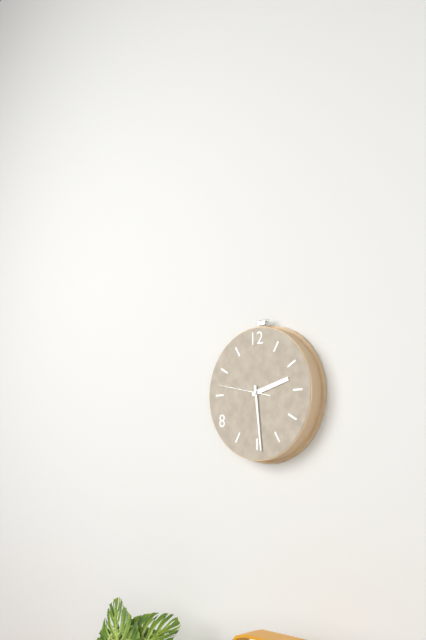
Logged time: {"hour": 2, "minute": 29}
